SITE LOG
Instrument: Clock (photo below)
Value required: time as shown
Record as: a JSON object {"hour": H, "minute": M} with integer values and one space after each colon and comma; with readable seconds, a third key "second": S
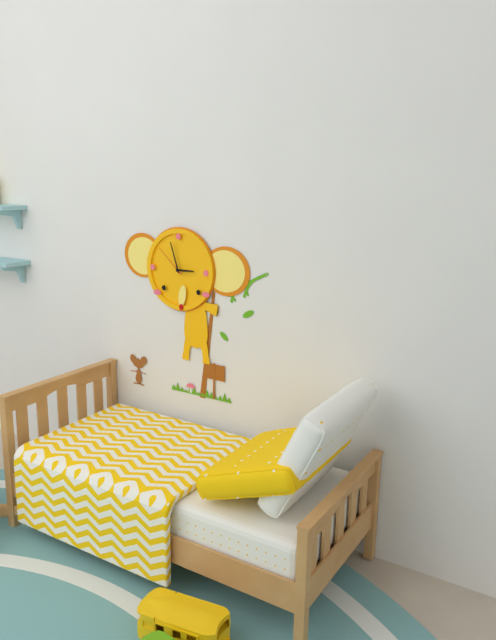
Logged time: {"hour": 2, "minute": 57}
